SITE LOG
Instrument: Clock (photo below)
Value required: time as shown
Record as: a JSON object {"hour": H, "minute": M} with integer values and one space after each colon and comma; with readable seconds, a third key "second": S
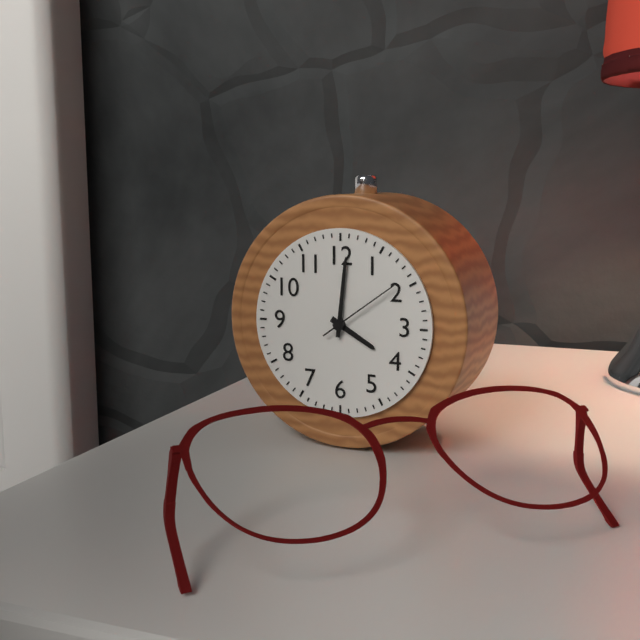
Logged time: {"hour": 4, "minute": 1, "second": 9}
